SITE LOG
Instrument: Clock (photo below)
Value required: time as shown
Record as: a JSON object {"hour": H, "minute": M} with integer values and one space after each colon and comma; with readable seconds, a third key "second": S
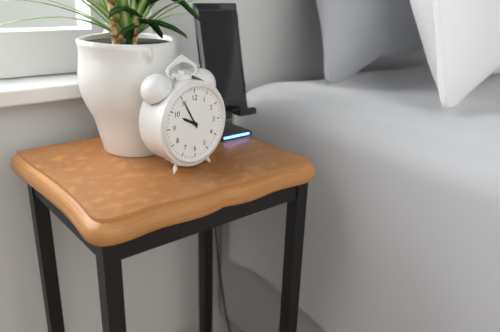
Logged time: {"hour": 9, "minute": 55}
